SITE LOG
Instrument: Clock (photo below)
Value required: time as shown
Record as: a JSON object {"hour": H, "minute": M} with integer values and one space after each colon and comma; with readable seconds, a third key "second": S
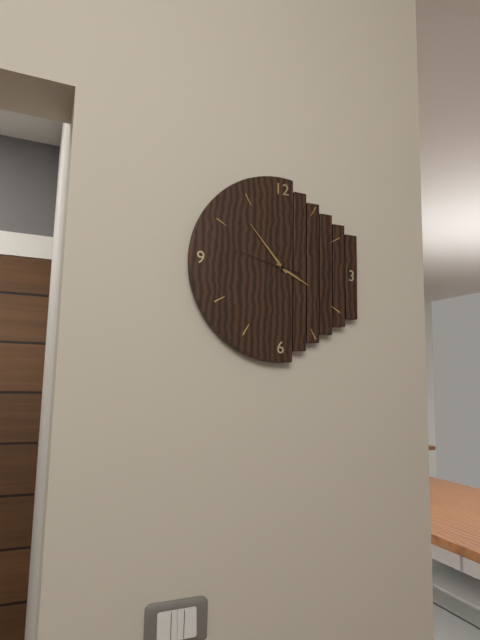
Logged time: {"hour": 3, "minute": 53, "second": 47}
